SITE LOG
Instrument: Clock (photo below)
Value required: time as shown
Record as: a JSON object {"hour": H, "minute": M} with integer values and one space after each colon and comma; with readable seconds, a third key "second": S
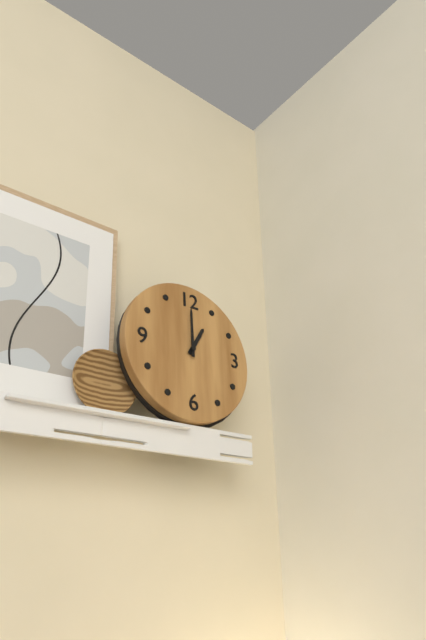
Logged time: {"hour": 1, "minute": 0}
